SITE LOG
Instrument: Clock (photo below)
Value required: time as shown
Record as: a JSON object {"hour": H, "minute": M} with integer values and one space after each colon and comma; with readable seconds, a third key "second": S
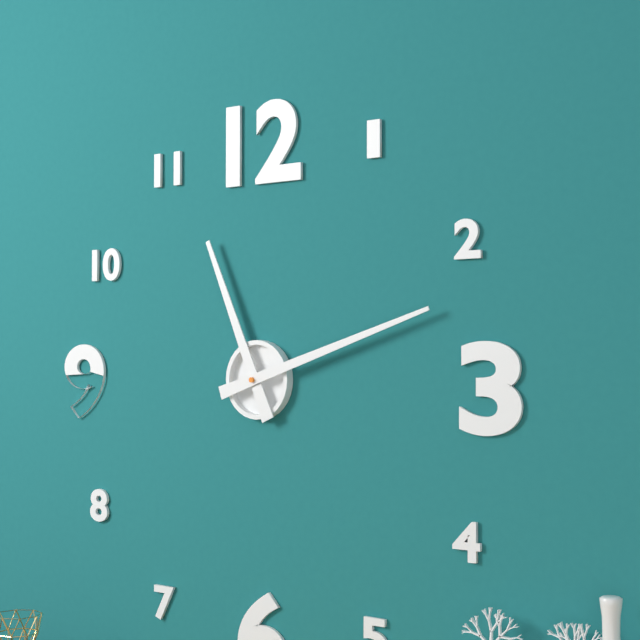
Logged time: {"hour": 11, "minute": 12}
